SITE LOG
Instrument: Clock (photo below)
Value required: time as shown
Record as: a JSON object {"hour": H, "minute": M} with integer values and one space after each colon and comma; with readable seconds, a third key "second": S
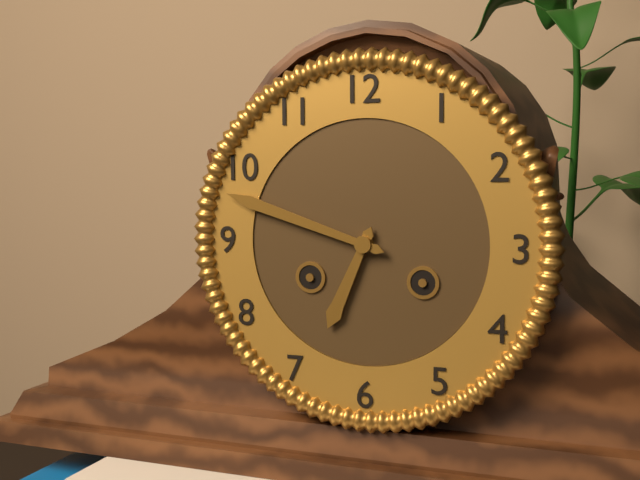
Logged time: {"hour": 6, "minute": 48}
